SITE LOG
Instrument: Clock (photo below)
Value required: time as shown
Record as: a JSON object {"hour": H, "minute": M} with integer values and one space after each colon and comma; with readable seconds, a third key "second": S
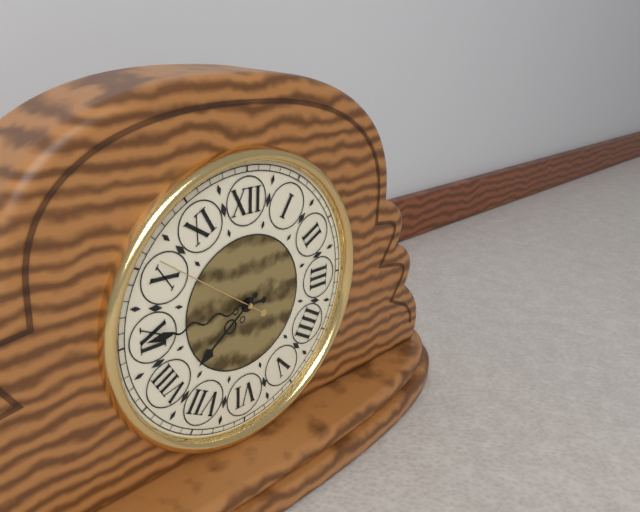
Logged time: {"hour": 7, "minute": 45, "second": 51}
